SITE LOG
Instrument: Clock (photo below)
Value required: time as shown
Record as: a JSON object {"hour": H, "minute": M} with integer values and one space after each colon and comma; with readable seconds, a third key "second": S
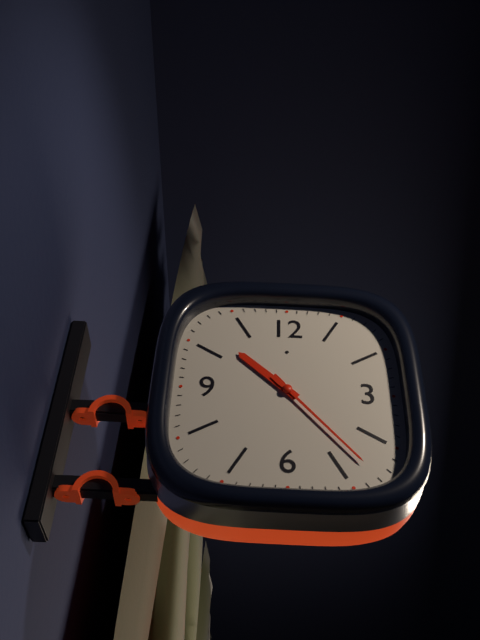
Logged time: {"hour": 10, "minute": 23}
